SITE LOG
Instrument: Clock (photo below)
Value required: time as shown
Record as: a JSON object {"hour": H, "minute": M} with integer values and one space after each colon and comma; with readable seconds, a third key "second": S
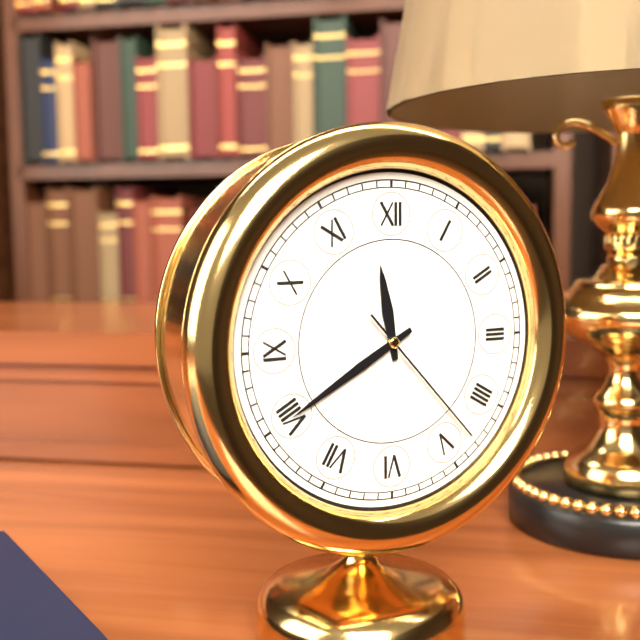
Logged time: {"hour": 11, "minute": 40, "second": 23}
